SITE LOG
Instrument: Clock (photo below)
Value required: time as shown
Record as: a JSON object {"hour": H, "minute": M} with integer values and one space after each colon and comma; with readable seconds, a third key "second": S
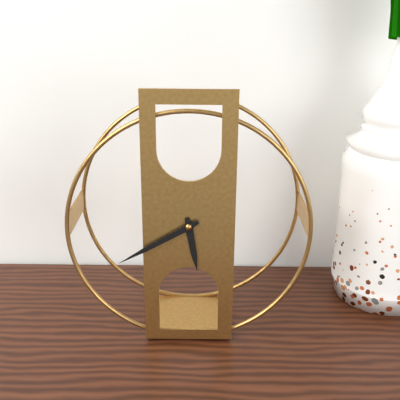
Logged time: {"hour": 5, "minute": 40}
